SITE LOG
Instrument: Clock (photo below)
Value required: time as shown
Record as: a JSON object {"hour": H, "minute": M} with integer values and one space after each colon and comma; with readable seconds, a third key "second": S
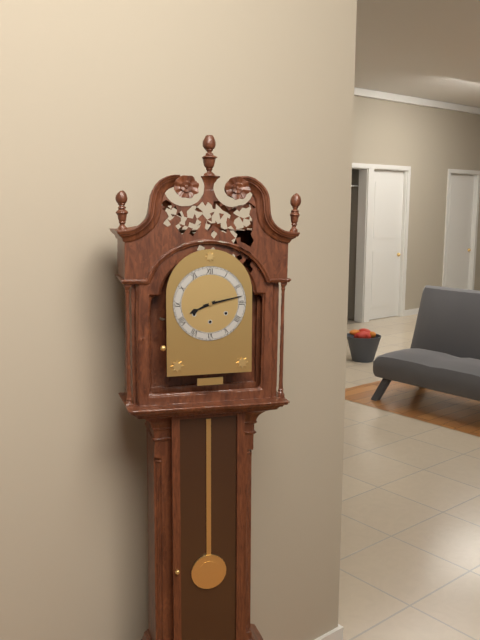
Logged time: {"hour": 8, "minute": 13}
